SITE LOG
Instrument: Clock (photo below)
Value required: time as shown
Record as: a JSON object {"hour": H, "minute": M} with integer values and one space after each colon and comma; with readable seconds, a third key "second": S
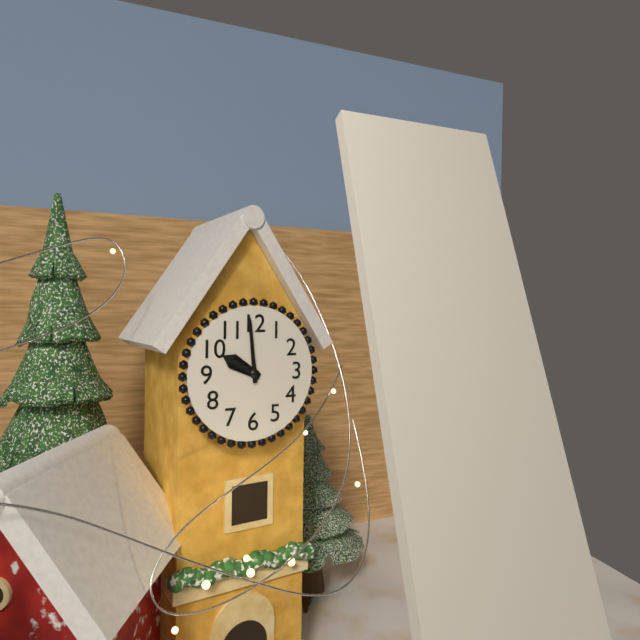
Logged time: {"hour": 9, "minute": 59}
